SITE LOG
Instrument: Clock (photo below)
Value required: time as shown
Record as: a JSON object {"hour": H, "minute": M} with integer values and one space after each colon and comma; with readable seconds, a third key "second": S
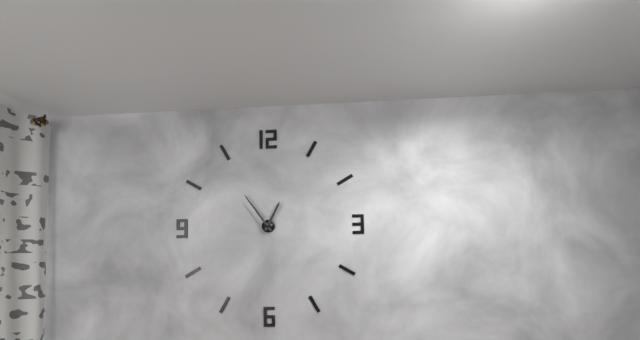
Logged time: {"hour": 12, "minute": 54}
